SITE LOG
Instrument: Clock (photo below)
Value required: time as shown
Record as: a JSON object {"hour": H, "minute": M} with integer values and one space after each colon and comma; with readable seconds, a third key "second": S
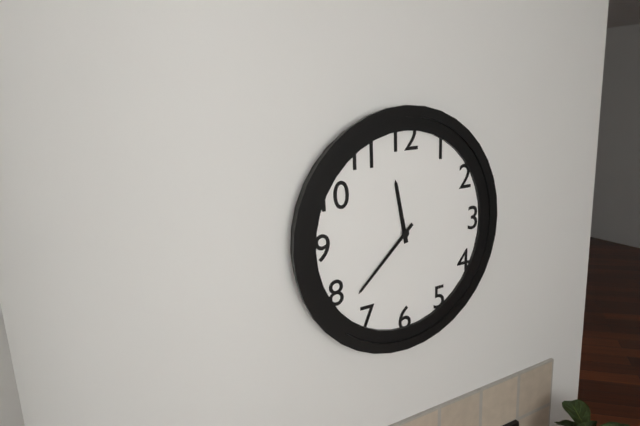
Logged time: {"hour": 11, "minute": 38}
